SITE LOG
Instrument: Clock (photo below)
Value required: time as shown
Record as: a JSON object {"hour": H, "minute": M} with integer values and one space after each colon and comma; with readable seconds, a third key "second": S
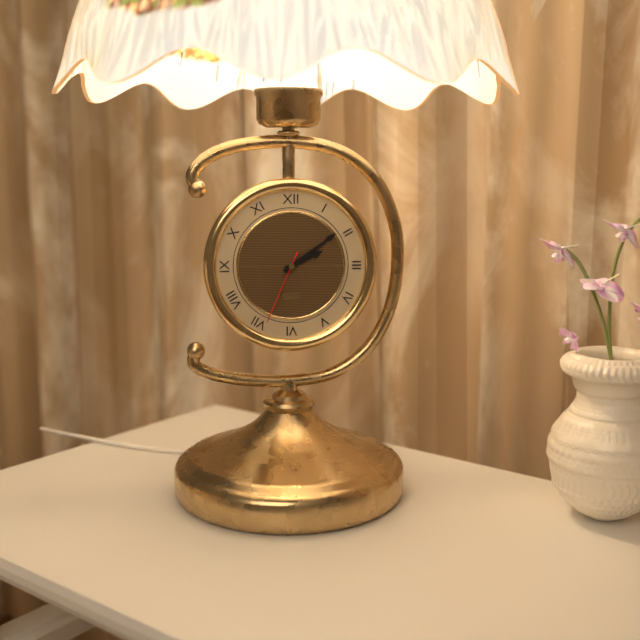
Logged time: {"hour": 2, "minute": 9, "second": 34}
